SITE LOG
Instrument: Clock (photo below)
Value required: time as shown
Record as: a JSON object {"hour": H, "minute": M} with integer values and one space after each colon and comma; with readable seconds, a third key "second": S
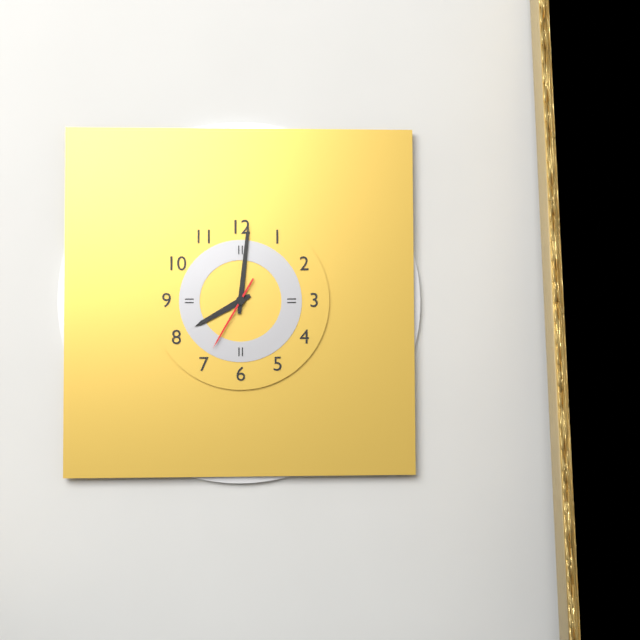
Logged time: {"hour": 8, "minute": 1, "second": 35}
